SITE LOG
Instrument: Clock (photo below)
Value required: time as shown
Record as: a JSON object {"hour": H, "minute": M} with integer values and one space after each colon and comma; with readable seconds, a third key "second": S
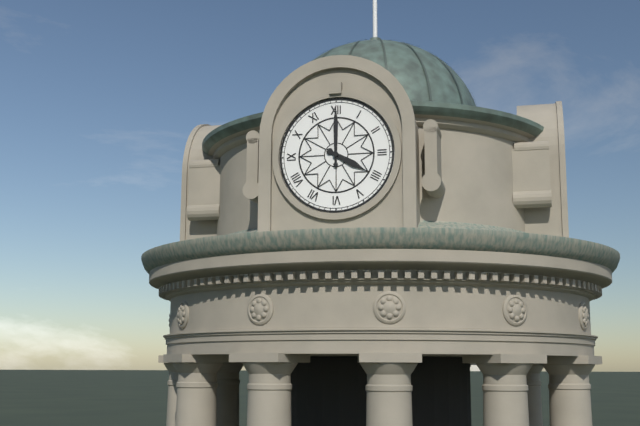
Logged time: {"hour": 4, "minute": 0}
